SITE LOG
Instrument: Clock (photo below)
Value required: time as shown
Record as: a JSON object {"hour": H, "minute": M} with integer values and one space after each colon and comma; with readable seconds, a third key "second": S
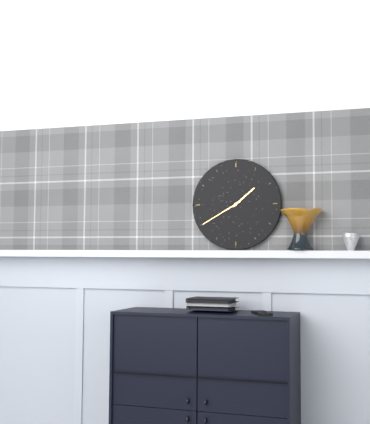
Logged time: {"hour": 1, "minute": 40}
